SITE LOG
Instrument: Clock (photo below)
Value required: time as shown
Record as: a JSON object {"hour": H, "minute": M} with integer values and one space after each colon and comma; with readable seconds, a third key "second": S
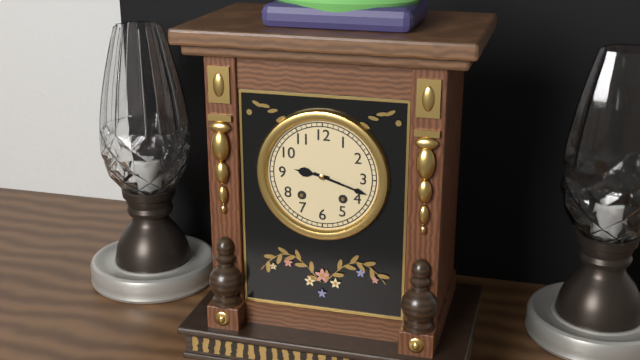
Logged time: {"hour": 9, "minute": 18}
